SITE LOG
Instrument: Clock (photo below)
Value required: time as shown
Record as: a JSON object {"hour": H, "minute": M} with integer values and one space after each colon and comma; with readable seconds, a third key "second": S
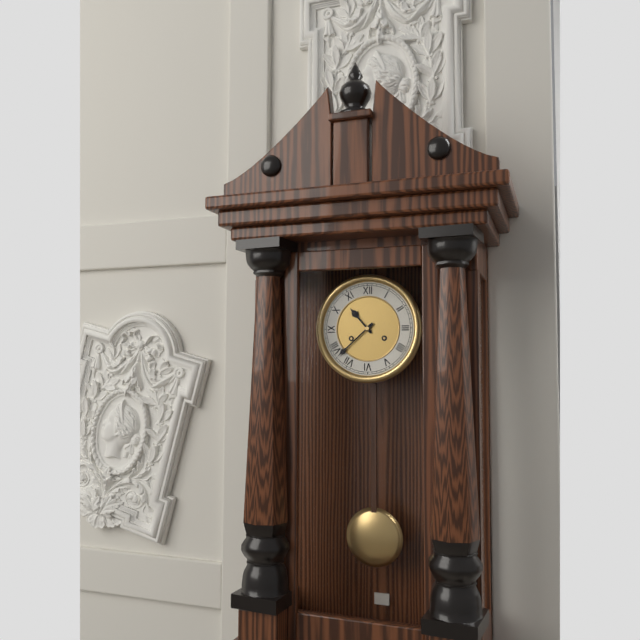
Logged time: {"hour": 10, "minute": 38}
